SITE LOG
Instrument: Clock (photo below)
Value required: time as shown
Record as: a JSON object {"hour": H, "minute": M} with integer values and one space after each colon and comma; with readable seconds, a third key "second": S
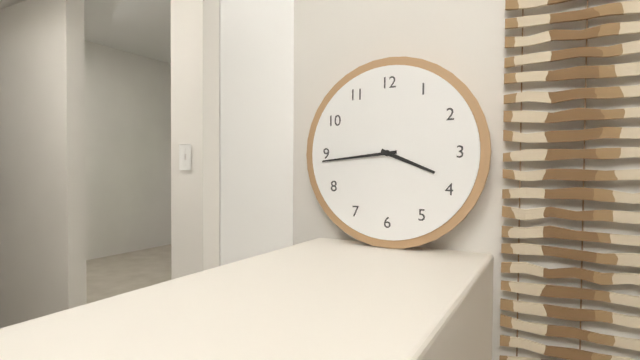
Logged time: {"hour": 3, "minute": 44}
